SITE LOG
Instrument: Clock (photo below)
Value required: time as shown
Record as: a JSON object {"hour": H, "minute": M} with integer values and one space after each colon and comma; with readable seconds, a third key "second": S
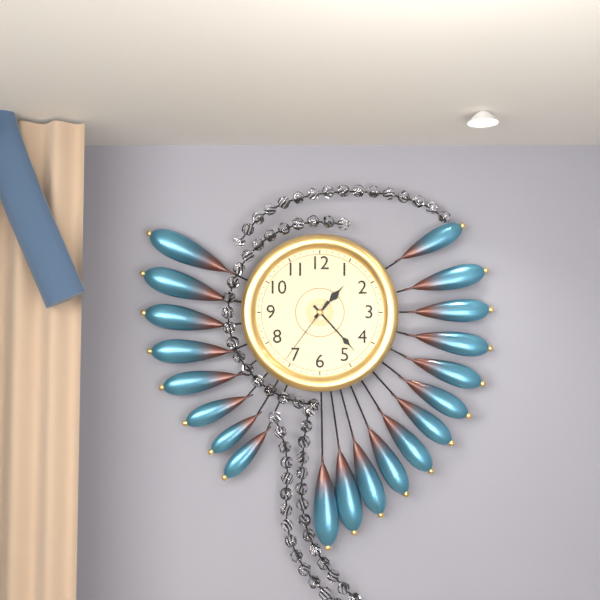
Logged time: {"hour": 1, "minute": 23, "second": 36}
